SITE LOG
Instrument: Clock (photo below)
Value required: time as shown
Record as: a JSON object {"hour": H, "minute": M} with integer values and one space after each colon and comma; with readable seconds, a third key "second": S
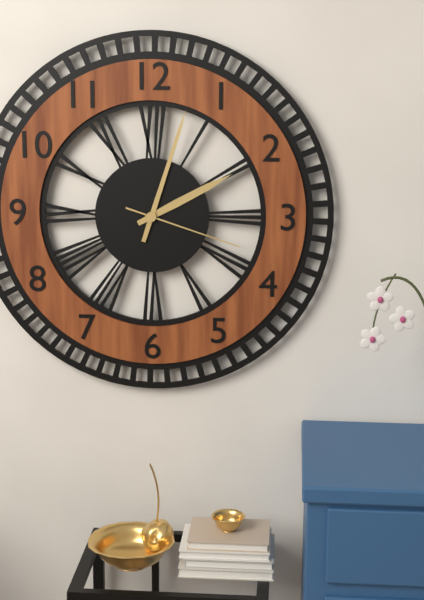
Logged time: {"hour": 2, "minute": 3, "second": 18}
